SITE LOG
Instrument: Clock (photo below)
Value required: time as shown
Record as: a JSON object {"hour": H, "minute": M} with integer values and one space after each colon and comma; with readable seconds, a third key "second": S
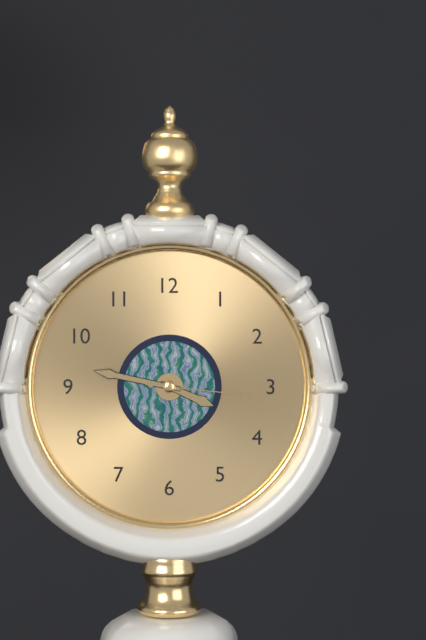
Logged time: {"hour": 3, "minute": 47, "second": 16}
